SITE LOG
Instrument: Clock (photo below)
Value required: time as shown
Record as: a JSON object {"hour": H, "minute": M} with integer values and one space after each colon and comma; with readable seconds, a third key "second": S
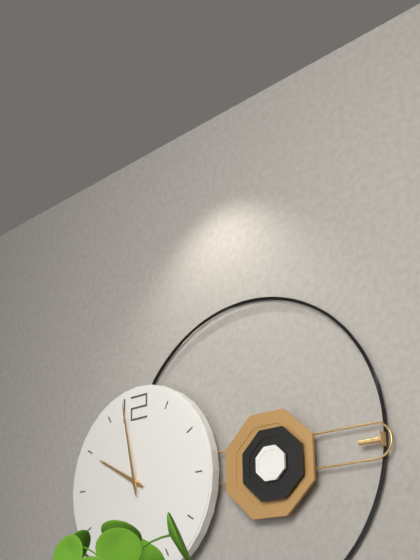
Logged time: {"hour": 9, "minute": 58}
